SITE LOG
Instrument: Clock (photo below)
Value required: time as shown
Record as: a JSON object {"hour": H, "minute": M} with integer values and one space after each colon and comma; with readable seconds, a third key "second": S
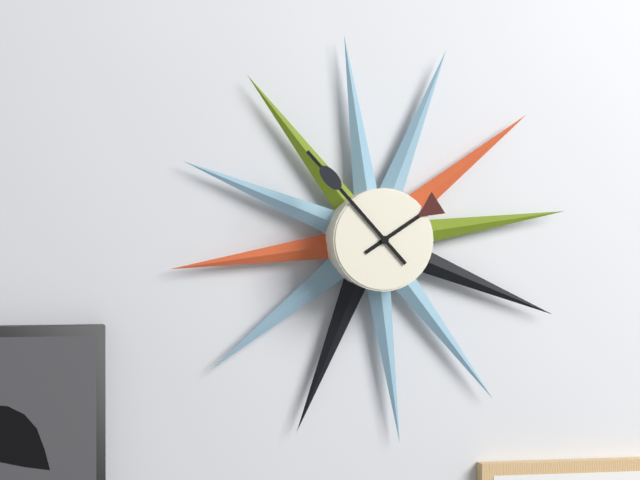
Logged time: {"hour": 1, "minute": 53}
